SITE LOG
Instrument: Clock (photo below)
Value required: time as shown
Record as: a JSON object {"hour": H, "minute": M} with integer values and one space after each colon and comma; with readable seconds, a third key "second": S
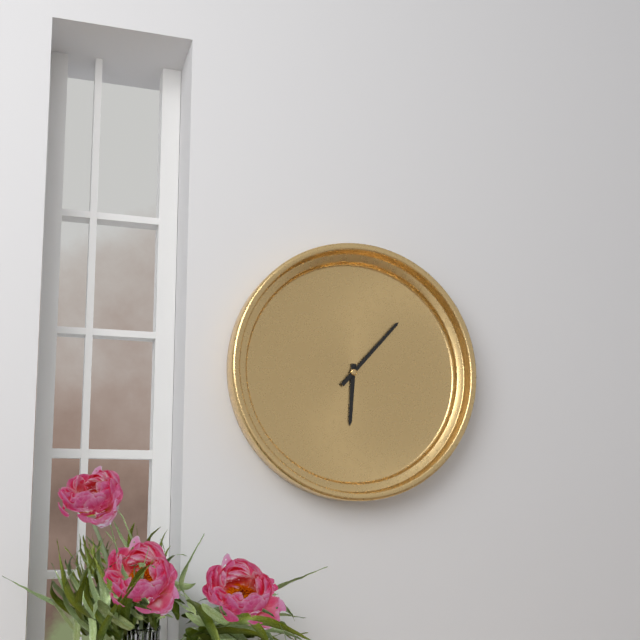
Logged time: {"hour": 6, "minute": 7}
